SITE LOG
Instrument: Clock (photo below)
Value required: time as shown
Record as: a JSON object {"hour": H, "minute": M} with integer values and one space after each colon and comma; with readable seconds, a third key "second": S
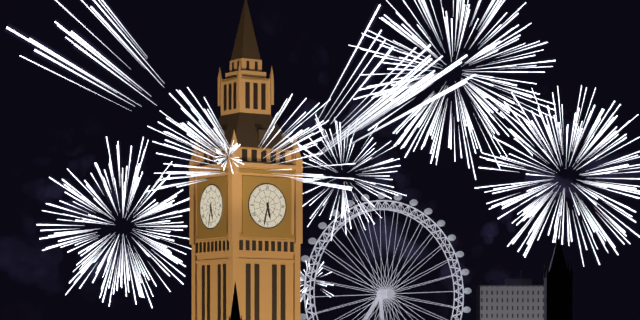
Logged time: {"hour": 5, "minute": 32}
